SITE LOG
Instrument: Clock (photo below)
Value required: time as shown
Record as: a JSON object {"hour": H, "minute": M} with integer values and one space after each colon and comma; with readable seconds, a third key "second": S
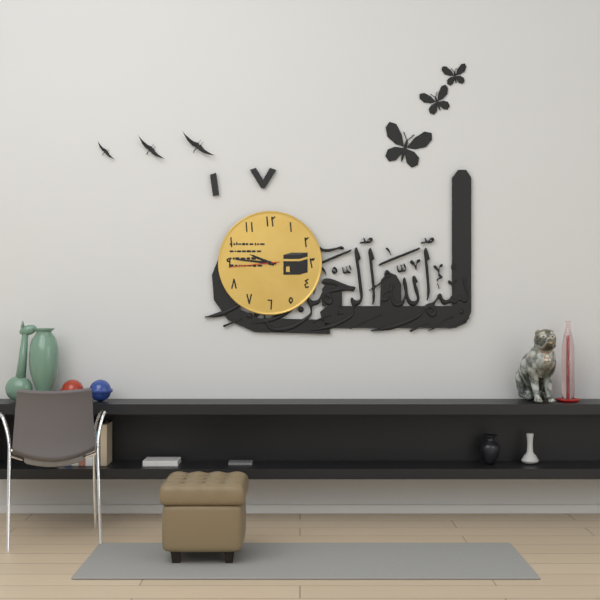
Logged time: {"hour": 9, "minute": 46, "second": 44}
